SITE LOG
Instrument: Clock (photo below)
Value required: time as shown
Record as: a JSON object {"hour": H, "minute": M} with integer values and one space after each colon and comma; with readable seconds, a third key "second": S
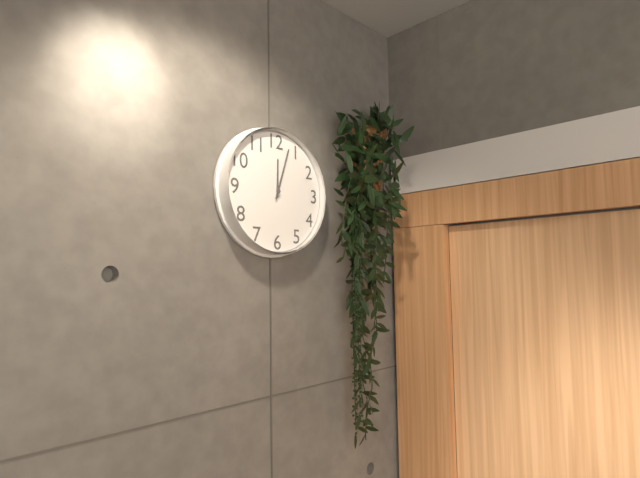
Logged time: {"hour": 12, "minute": 3}
